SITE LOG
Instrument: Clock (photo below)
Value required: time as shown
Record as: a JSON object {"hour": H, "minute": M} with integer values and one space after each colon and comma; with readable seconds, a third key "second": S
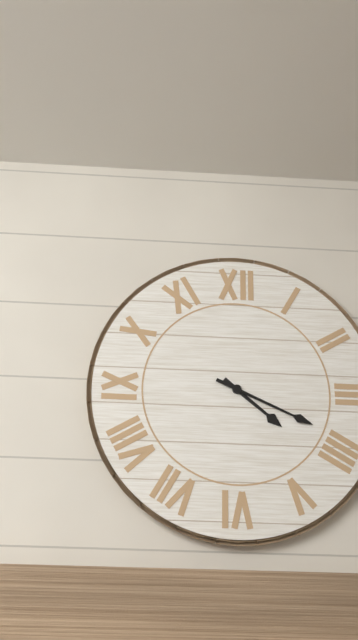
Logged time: {"hour": 4, "minute": 19}
